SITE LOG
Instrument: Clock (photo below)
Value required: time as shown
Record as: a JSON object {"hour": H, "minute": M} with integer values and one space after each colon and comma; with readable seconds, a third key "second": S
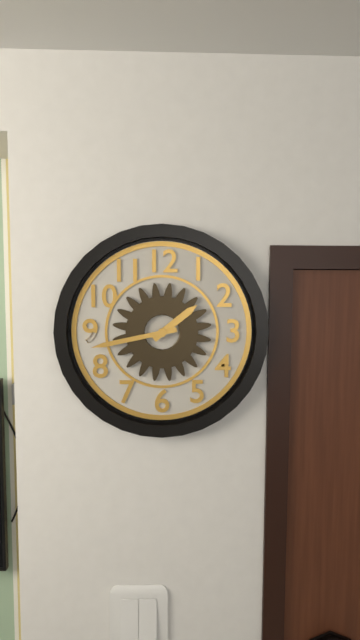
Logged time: {"hour": 1, "minute": 43}
